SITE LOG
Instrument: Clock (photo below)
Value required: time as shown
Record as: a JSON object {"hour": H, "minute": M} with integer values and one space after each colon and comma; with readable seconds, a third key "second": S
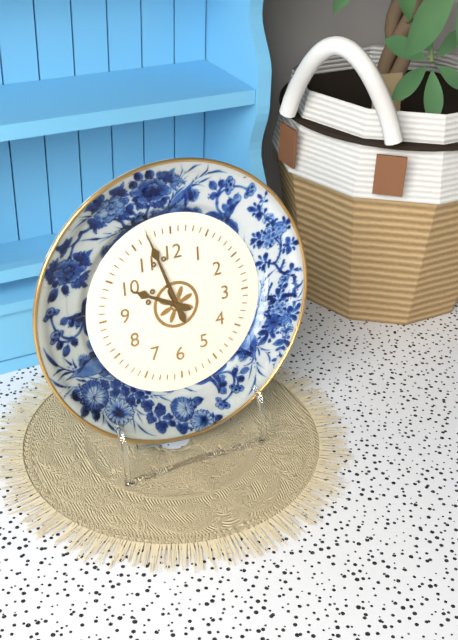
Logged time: {"hour": 9, "minute": 57}
